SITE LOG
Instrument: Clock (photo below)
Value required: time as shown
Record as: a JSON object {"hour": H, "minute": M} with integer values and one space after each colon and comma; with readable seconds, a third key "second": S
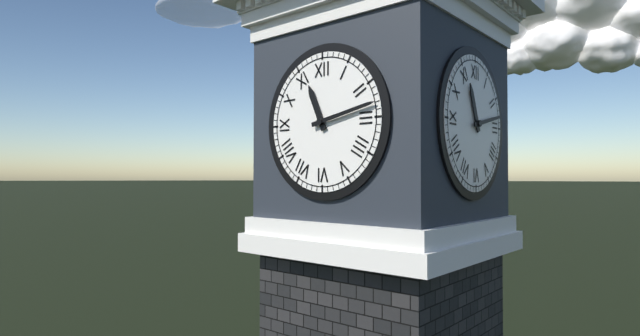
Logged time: {"hour": 11, "minute": 13}
